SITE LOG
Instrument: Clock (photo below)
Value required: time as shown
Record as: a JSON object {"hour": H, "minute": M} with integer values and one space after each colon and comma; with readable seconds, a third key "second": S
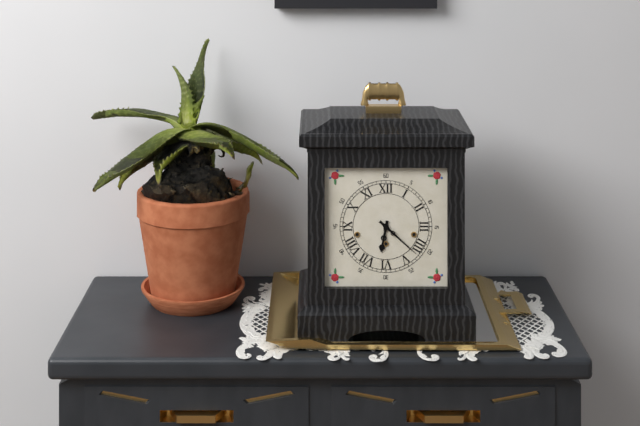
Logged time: {"hour": 6, "minute": 22}
